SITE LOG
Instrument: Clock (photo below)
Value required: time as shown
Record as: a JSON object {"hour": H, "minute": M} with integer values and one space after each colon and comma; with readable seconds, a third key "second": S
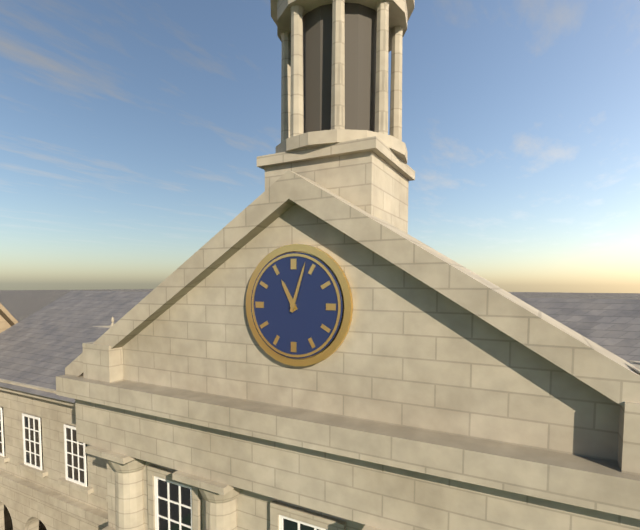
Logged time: {"hour": 11, "minute": 3}
